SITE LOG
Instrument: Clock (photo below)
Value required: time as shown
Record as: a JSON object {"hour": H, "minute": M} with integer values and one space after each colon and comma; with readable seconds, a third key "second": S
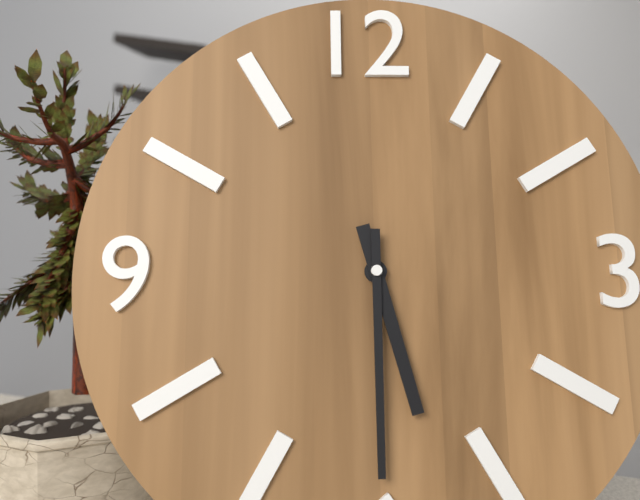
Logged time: {"hour": 5, "minute": 30}
